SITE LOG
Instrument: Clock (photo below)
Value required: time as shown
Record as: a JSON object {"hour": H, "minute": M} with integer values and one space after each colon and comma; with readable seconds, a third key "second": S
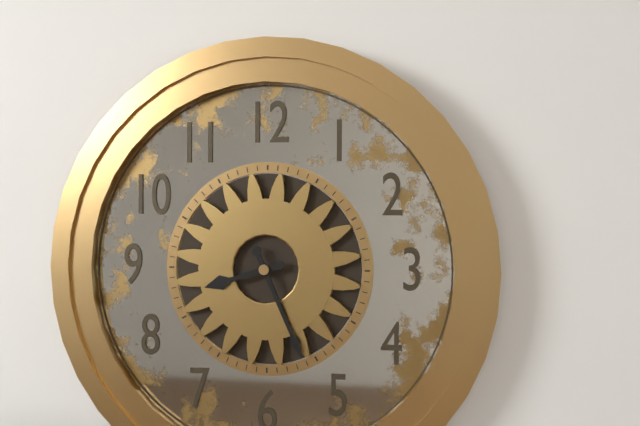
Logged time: {"hour": 8, "minute": 26}
